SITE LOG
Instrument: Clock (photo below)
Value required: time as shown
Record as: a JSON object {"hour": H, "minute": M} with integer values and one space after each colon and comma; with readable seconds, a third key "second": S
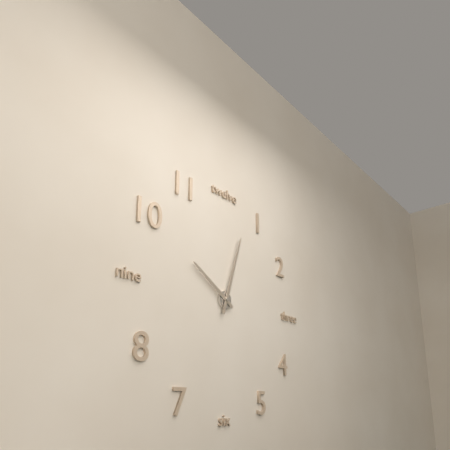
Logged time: {"hour": 10, "minute": 3}
